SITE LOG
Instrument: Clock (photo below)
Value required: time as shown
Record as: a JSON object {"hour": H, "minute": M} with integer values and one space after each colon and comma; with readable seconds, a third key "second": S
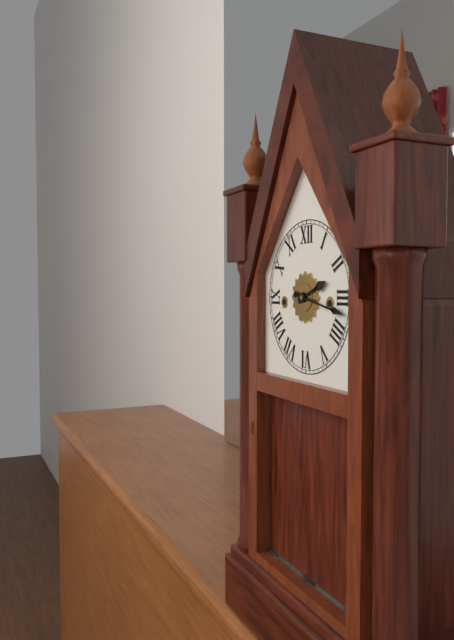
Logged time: {"hour": 2, "minute": 17}
